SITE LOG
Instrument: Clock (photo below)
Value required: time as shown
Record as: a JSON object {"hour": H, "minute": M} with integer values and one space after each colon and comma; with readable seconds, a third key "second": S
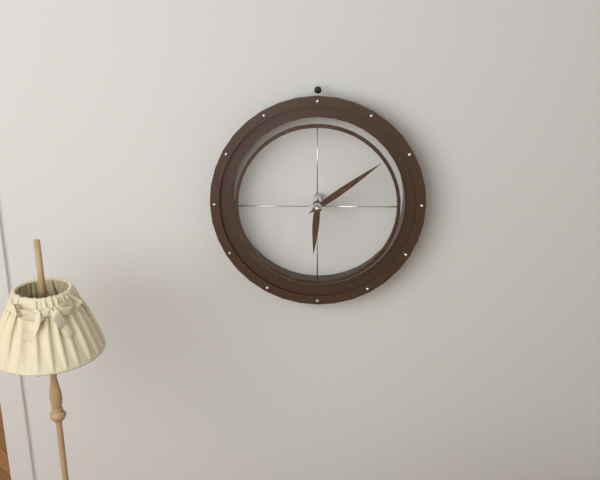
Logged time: {"hour": 6, "minute": 9}
